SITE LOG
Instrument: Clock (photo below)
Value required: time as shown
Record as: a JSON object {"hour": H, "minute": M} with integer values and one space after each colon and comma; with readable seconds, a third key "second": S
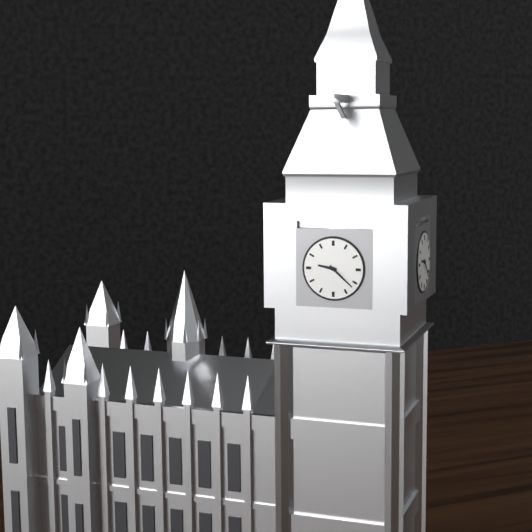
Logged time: {"hour": 9, "minute": 22}
